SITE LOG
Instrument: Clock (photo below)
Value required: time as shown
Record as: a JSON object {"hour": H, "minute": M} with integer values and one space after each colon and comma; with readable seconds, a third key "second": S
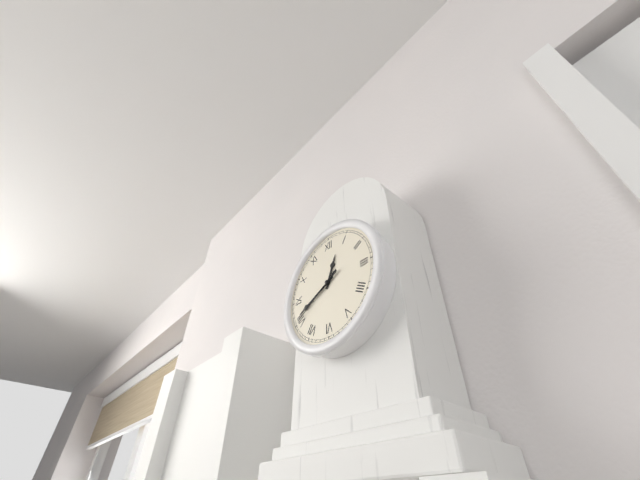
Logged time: {"hour": 12, "minute": 41, "second": 40}
